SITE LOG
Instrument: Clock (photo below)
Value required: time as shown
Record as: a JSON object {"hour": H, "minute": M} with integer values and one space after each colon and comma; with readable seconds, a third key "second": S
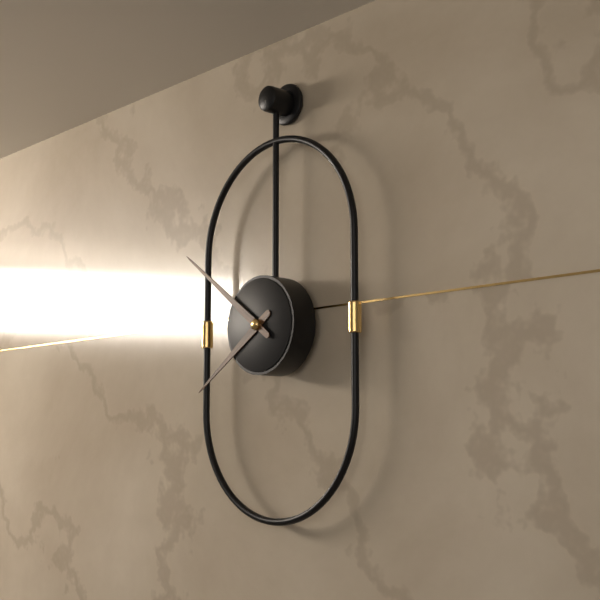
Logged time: {"hour": 7, "minute": 51}
